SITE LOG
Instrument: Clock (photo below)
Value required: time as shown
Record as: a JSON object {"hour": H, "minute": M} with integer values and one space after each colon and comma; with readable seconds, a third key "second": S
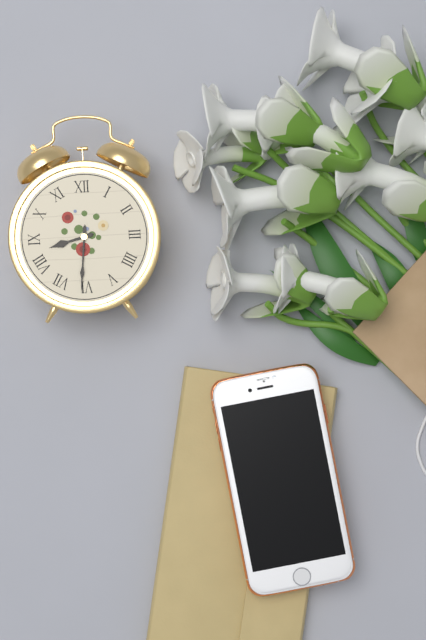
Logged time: {"hour": 8, "minute": 31}
